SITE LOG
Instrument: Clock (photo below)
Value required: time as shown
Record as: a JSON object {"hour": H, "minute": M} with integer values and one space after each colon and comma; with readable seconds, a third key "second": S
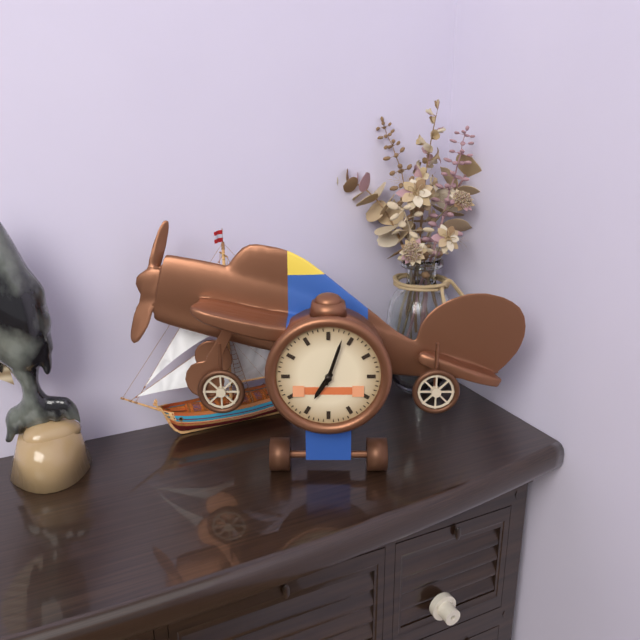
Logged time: {"hour": 7, "minute": 3}
